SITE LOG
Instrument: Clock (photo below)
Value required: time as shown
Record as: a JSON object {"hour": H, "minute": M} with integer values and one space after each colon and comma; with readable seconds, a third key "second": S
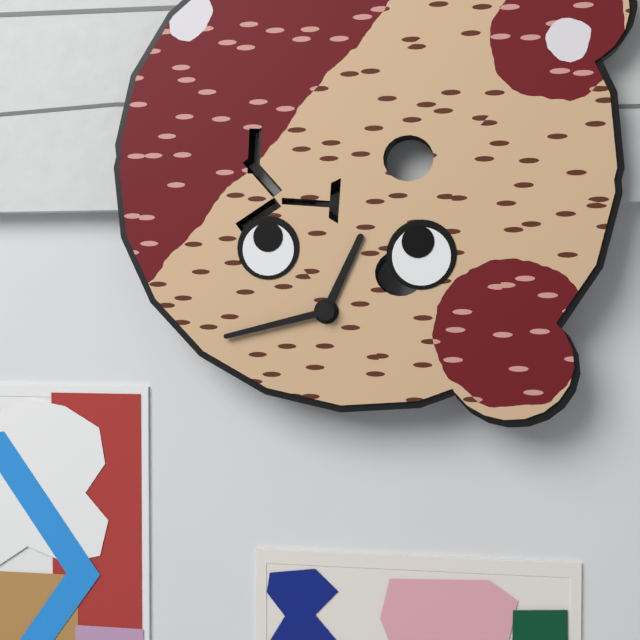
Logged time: {"hour": 12, "minute": 42}
